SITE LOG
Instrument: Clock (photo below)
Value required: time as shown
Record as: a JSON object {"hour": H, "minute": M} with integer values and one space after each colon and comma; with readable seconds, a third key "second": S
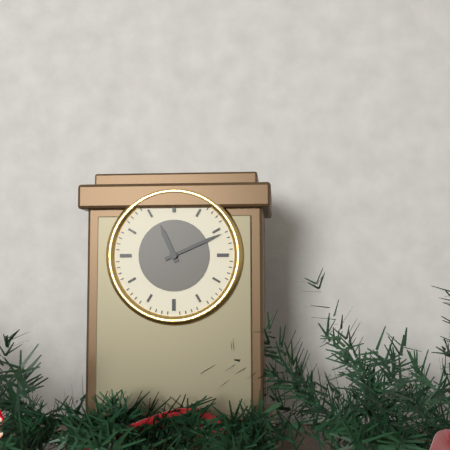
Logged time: {"hour": 11, "minute": 11}
